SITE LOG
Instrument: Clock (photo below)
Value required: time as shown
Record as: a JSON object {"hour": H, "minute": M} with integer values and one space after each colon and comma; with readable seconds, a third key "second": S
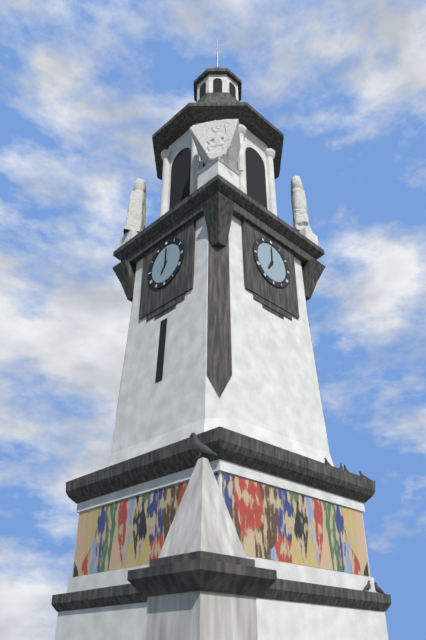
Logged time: {"hour": 7, "minute": 0}
